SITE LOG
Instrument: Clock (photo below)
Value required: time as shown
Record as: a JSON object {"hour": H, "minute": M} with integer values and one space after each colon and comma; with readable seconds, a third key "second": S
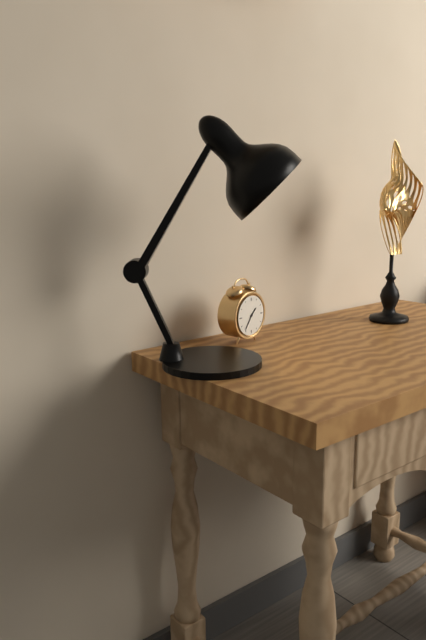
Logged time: {"hour": 1, "minute": 36}
